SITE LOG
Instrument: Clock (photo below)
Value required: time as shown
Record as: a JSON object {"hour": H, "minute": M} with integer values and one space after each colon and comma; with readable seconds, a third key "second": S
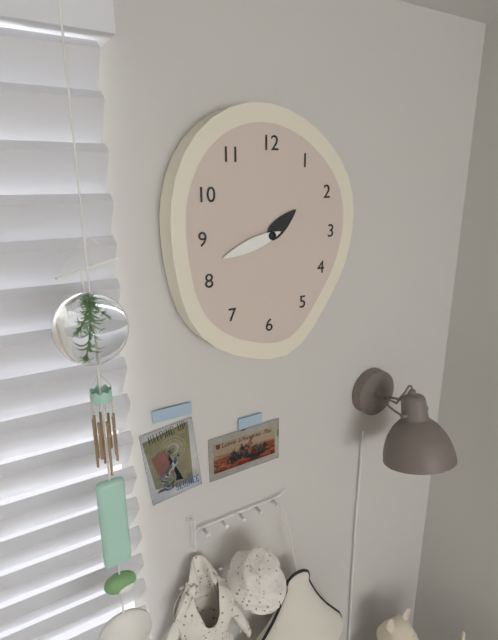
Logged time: {"hour": 1, "minute": 42}
